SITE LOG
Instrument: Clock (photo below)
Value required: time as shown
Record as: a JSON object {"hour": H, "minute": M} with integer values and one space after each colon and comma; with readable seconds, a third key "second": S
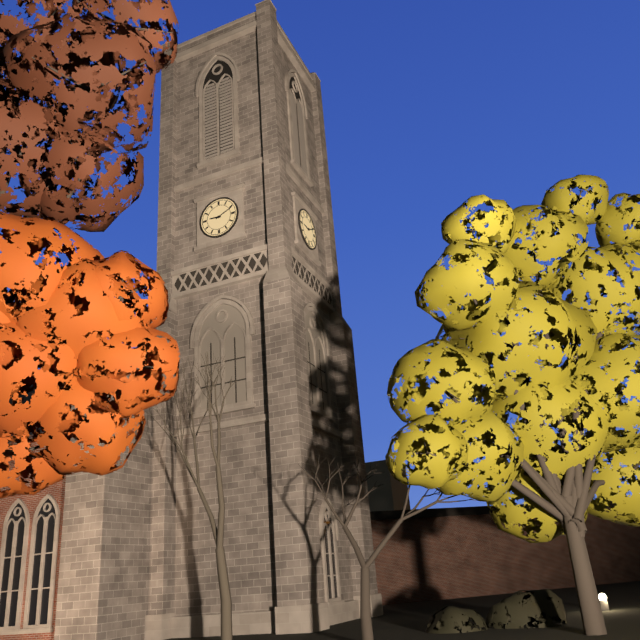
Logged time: {"hour": 9, "minute": 11}
